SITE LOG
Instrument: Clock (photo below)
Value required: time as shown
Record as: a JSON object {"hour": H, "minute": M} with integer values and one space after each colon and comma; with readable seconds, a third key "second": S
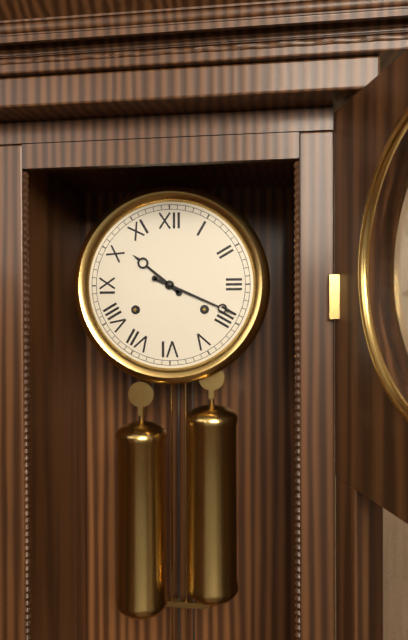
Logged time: {"hour": 10, "minute": 19}
